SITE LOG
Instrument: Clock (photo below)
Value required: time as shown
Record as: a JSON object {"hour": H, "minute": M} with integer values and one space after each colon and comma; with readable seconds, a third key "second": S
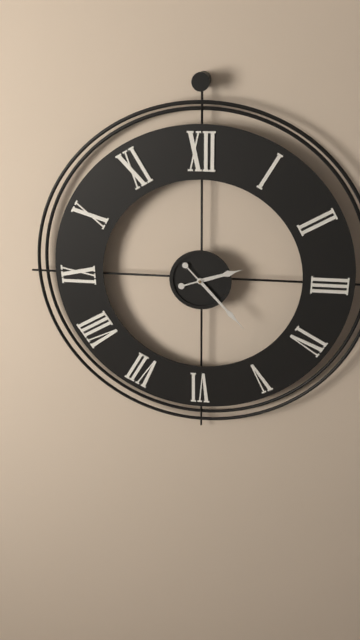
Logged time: {"hour": 2, "minute": 23}
